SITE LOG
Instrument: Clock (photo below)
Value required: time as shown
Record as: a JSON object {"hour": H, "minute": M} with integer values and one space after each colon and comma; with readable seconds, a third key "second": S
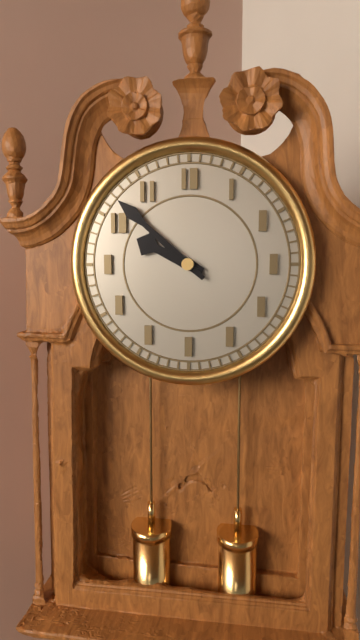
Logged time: {"hour": 9, "minute": 52}
